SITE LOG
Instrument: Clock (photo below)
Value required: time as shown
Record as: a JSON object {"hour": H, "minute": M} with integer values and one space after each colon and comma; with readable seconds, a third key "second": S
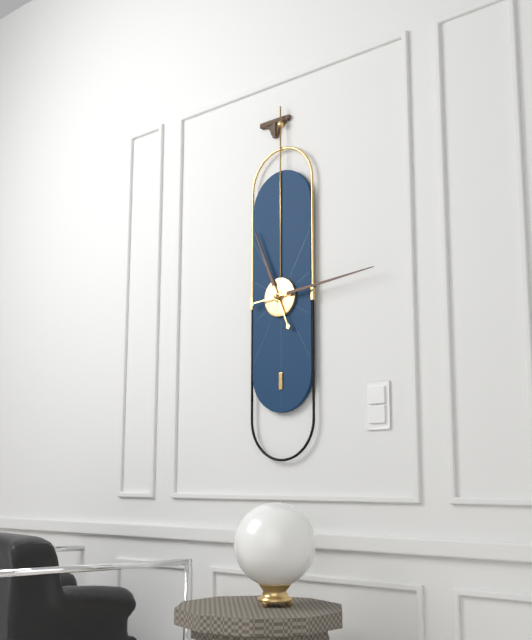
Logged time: {"hour": 11, "minute": 14}
